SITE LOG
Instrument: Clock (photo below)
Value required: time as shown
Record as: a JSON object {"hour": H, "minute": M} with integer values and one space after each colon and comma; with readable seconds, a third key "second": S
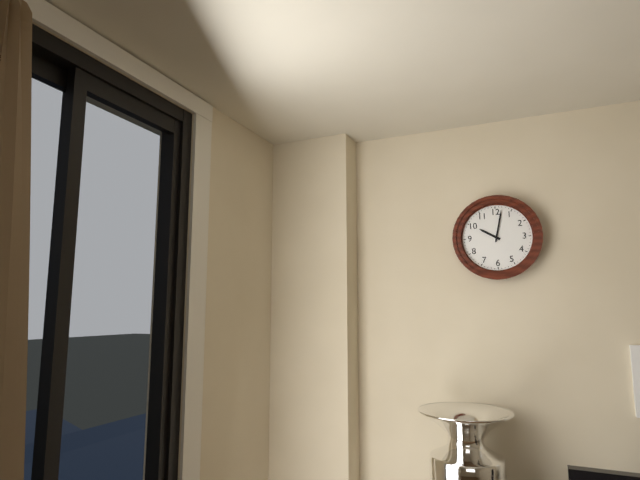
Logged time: {"hour": 10, "minute": 2}
